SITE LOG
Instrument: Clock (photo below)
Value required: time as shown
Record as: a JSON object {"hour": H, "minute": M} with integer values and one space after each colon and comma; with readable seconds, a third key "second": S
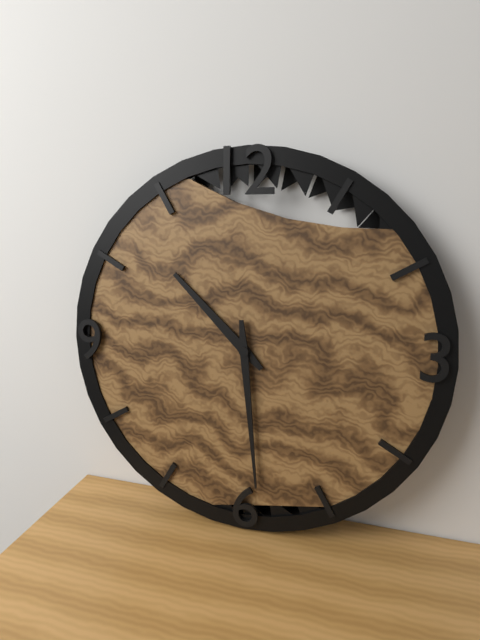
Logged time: {"hour": 10, "minute": 29}
